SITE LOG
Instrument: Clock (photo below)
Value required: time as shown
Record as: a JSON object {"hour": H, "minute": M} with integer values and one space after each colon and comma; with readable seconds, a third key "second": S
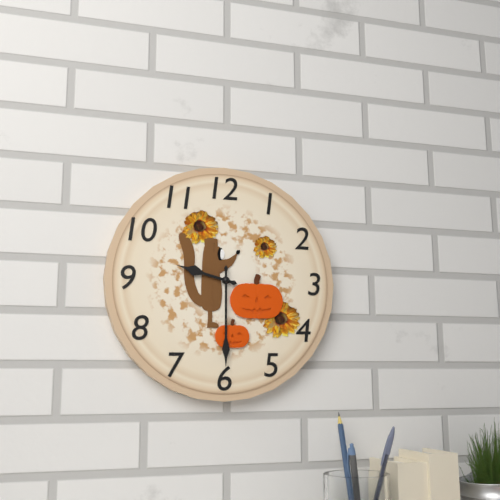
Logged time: {"hour": 9, "minute": 30}
